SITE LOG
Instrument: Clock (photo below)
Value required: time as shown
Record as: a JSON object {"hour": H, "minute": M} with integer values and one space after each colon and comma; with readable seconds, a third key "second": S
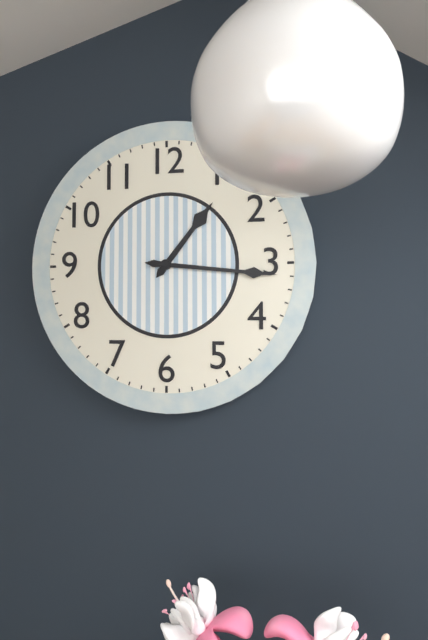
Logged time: {"hour": 1, "minute": 16}
